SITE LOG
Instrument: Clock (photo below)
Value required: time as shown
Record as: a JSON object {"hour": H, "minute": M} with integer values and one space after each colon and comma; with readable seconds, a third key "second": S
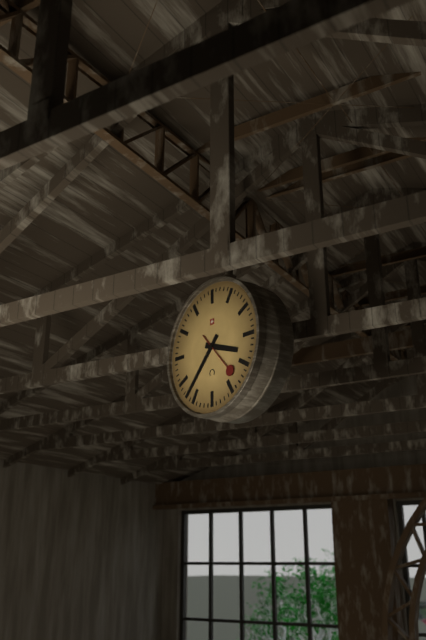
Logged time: {"hour": 3, "minute": 37}
